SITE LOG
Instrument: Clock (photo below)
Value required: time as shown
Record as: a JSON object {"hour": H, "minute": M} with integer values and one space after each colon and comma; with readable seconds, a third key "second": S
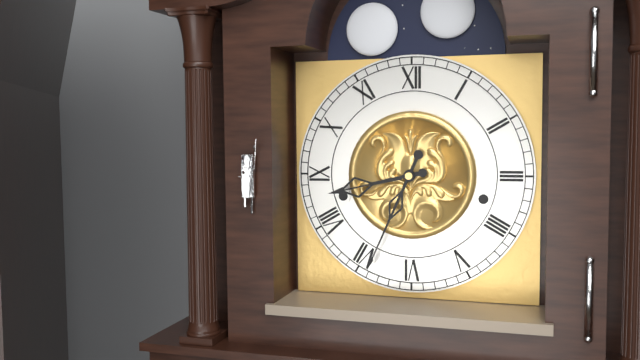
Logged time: {"hour": 8, "minute": 34}
